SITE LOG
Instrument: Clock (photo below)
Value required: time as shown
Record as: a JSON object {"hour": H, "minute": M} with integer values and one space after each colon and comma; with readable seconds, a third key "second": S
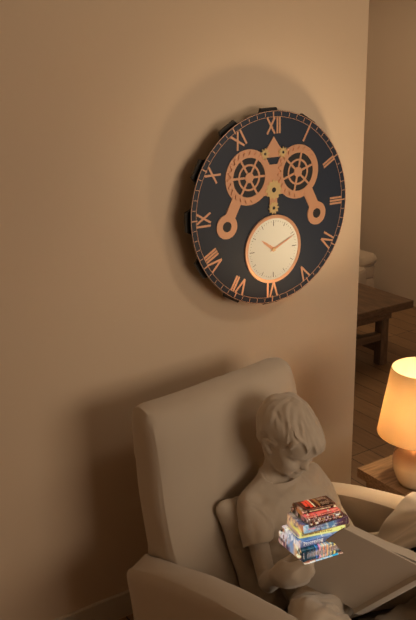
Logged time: {"hour": 10, "minute": 11}
